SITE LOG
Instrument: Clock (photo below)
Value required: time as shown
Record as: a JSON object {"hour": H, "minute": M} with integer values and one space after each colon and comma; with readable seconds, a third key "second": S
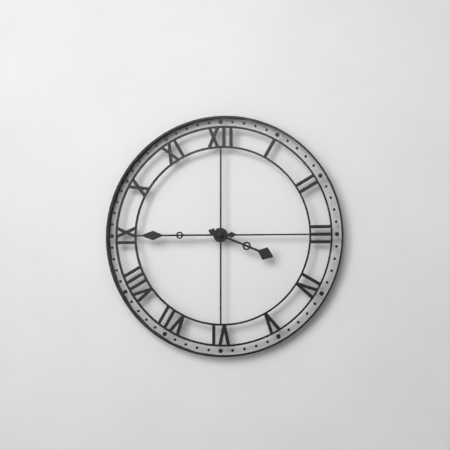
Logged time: {"hour": 3, "minute": 45}
